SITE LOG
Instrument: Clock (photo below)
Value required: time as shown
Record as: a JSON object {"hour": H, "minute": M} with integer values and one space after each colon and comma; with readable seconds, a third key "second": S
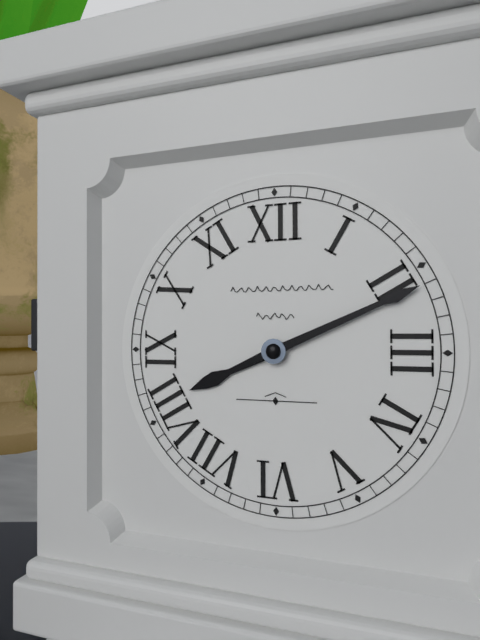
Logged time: {"hour": 8, "minute": 11}
